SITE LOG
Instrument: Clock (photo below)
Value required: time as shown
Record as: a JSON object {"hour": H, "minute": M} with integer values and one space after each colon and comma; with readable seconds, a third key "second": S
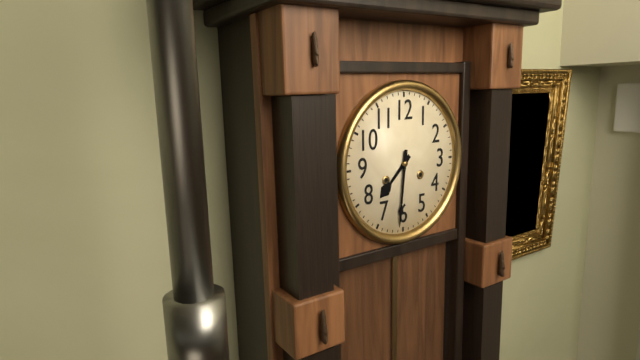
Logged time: {"hour": 7, "minute": 31}
